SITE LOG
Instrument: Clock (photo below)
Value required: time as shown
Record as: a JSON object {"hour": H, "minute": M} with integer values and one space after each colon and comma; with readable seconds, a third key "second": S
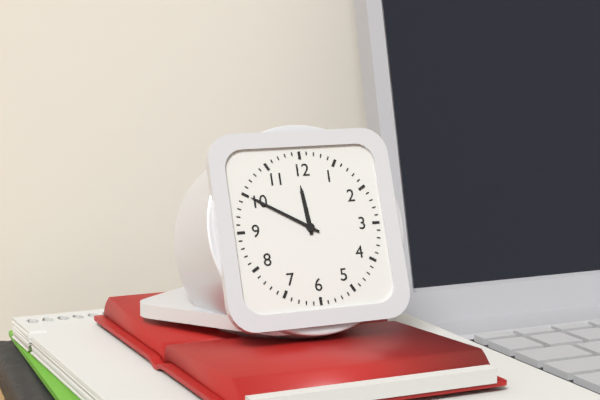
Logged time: {"hour": 11, "minute": 50}
